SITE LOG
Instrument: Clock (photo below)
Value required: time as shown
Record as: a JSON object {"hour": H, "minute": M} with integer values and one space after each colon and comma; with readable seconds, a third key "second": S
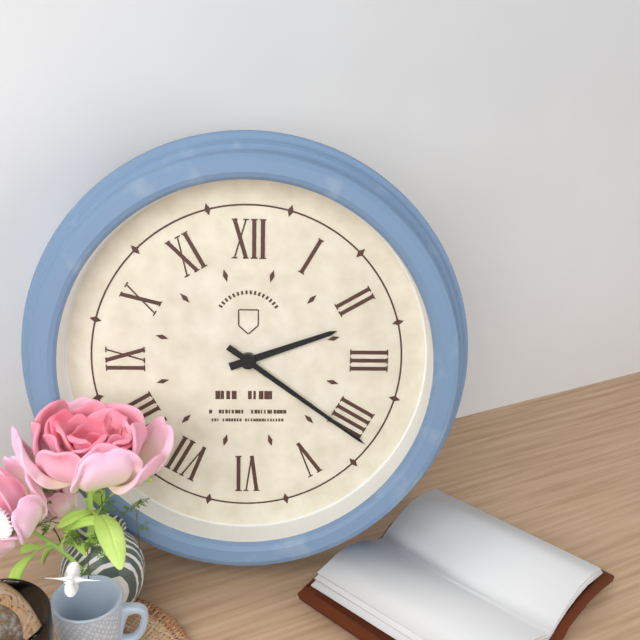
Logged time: {"hour": 2, "minute": 21}
